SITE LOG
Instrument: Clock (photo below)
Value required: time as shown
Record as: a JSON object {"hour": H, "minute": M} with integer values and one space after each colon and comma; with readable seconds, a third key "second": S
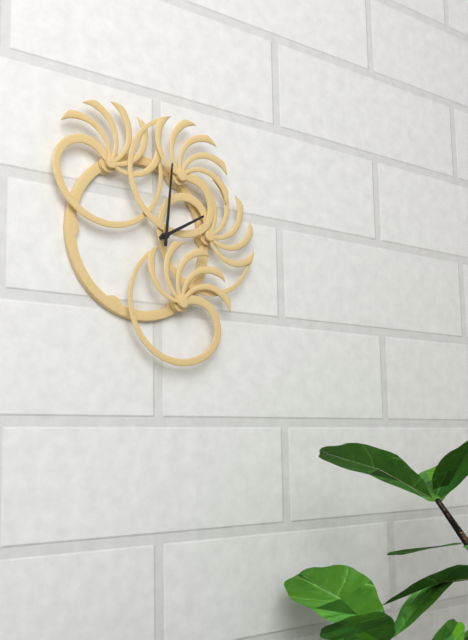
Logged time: {"hour": 2, "minute": 1}
